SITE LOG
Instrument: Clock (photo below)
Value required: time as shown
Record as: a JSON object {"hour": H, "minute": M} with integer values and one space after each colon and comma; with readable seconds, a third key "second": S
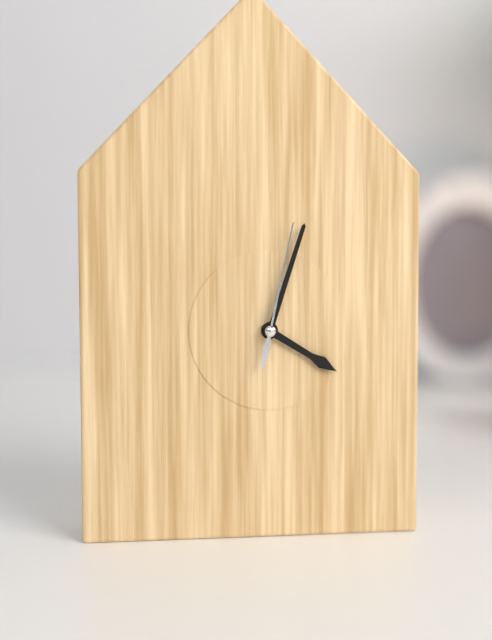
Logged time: {"hour": 4, "minute": 3, "second": 2}
